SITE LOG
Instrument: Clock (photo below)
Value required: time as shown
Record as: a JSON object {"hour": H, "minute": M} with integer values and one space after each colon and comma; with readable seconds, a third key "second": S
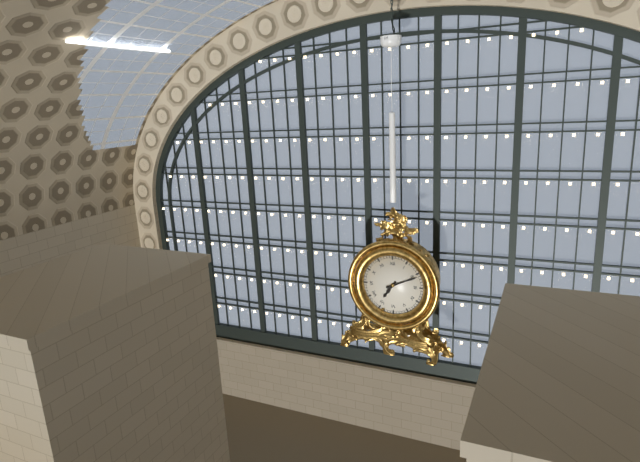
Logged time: {"hour": 7, "minute": 11}
